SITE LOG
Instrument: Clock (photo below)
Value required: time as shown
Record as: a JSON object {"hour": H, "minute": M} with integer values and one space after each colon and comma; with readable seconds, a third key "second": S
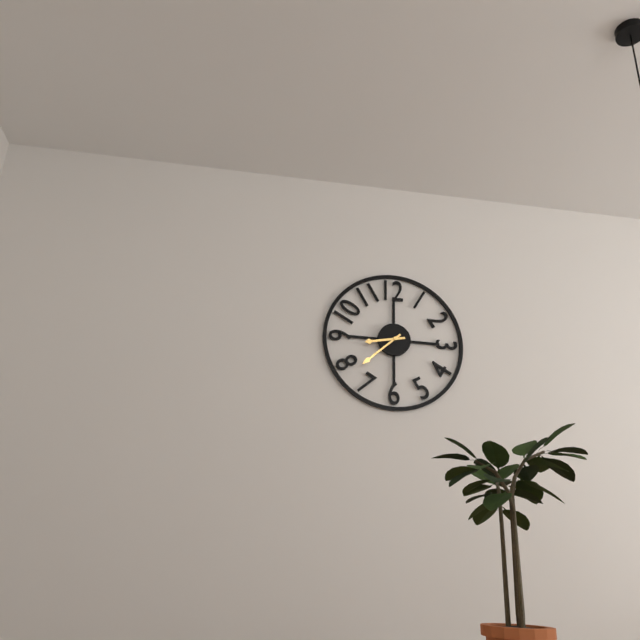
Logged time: {"hour": 8, "minute": 38}
